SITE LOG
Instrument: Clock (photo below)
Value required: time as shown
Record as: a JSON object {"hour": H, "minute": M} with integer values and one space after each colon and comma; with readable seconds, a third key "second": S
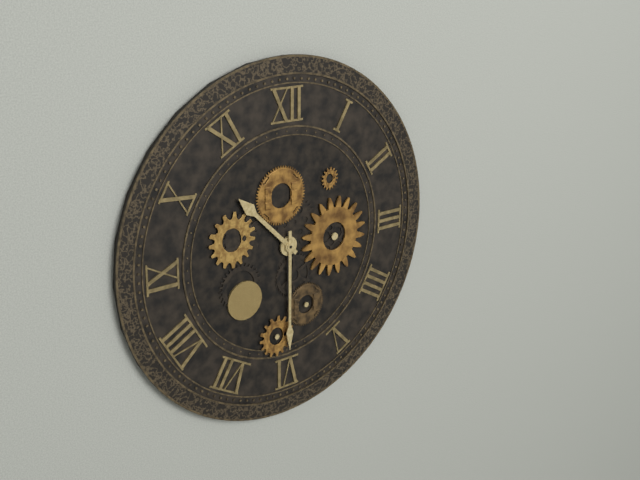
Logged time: {"hour": 10, "minute": 30}
